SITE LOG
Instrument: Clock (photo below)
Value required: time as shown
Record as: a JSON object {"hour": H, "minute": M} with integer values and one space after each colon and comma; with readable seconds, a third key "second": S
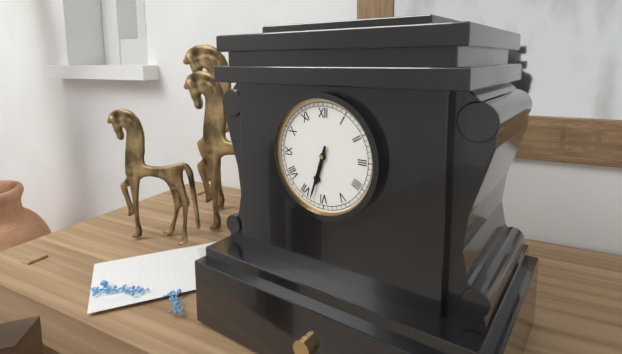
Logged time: {"hour": 6, "minute": 33}
